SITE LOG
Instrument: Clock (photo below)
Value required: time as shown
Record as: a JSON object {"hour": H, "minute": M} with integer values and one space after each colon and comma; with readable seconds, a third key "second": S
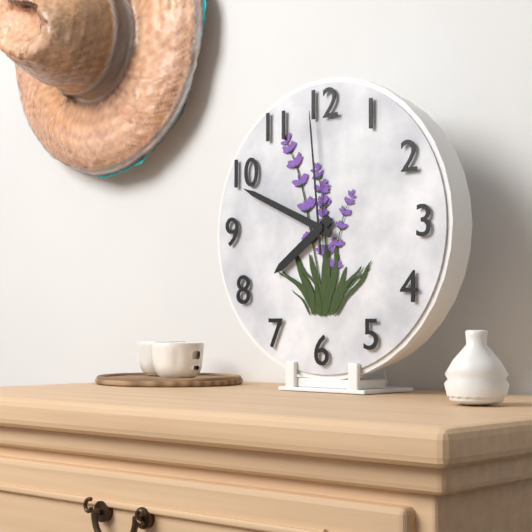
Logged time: {"hour": 7, "minute": 49, "second": 59}
